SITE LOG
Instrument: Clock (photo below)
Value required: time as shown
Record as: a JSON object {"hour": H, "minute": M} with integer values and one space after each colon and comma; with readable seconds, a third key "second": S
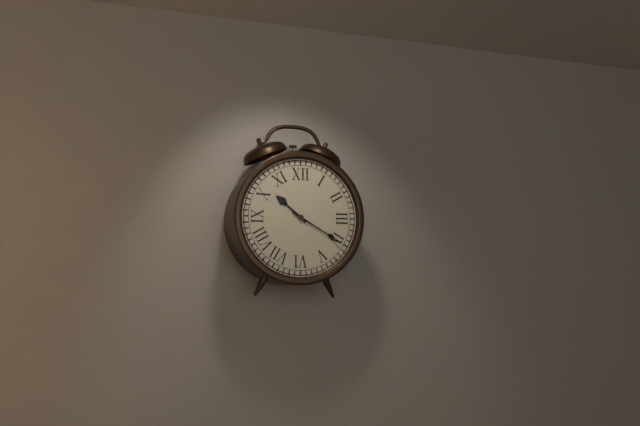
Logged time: {"hour": 10, "minute": 20}
